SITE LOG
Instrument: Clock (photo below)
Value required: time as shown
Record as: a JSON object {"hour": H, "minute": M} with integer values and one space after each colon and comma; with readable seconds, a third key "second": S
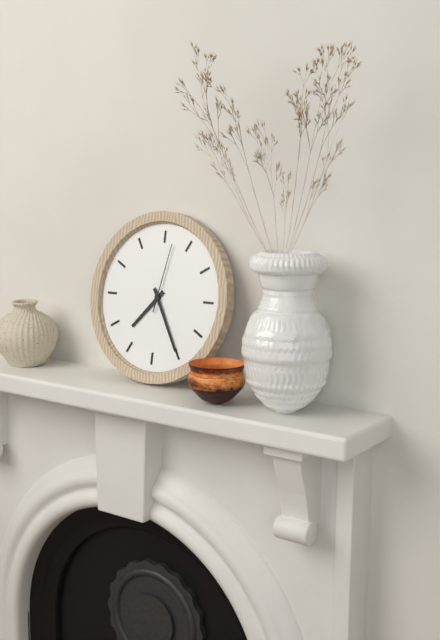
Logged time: {"hour": 7, "minute": 25, "second": 2}
